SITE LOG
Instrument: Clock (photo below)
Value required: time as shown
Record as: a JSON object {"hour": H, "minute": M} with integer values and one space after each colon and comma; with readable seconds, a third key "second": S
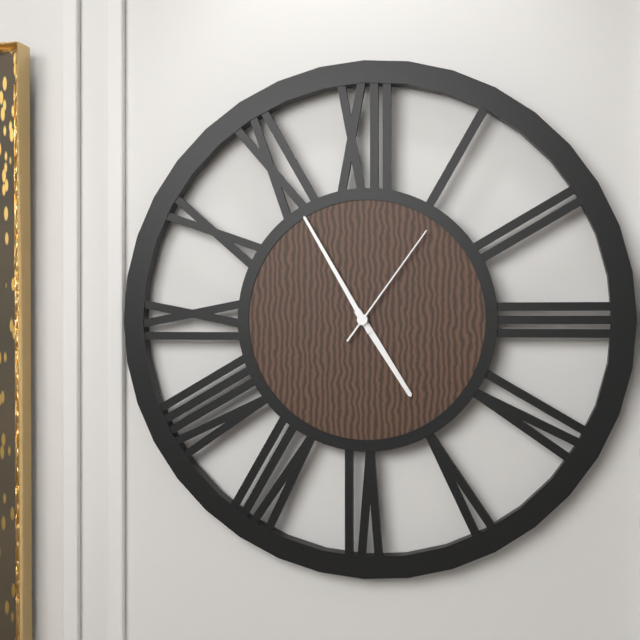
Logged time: {"hour": 4, "minute": 55, "second": 6}
